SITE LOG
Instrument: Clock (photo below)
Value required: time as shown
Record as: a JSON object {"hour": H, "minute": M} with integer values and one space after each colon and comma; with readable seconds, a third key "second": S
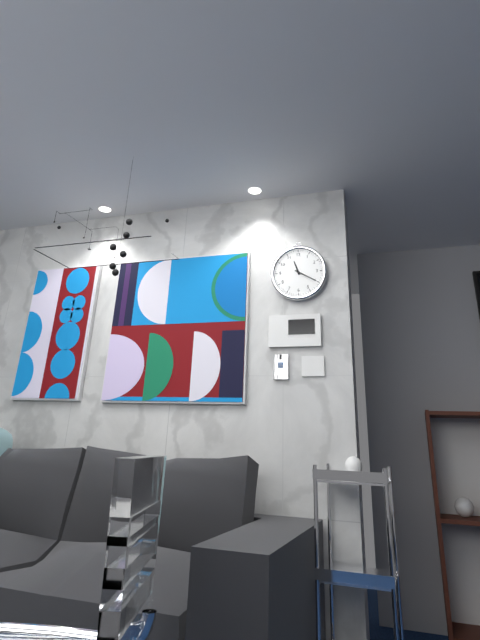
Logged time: {"hour": 11, "minute": 20}
